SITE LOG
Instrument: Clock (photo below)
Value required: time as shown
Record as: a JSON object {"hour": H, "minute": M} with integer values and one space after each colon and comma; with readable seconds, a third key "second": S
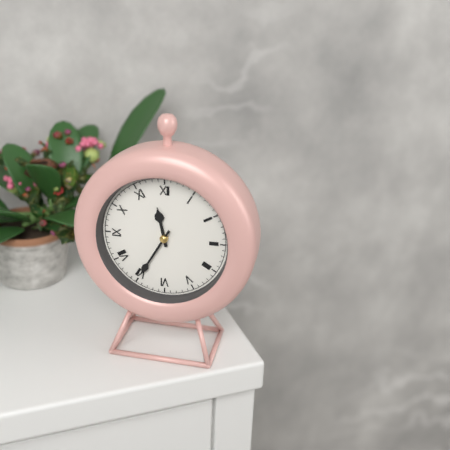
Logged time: {"hour": 11, "minute": 35}
